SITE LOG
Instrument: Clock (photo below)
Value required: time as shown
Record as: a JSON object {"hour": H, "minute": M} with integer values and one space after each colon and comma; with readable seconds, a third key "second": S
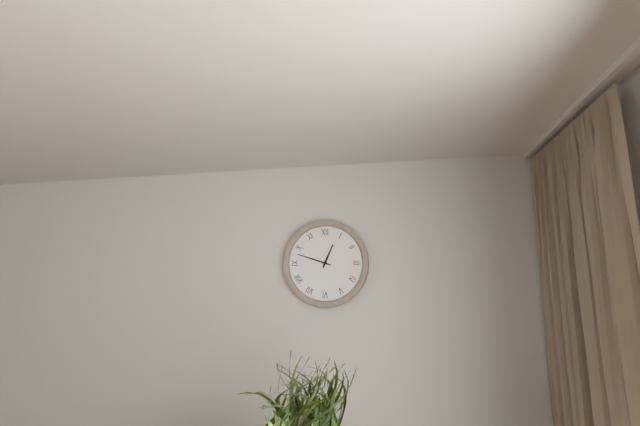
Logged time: {"hour": 12, "minute": 48}
